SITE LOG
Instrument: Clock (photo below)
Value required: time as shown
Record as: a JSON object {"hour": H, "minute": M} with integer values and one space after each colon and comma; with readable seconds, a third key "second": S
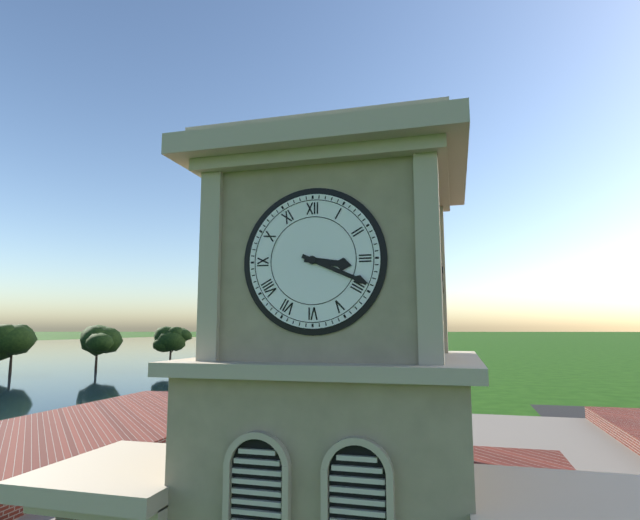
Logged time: {"hour": 3, "minute": 19}
